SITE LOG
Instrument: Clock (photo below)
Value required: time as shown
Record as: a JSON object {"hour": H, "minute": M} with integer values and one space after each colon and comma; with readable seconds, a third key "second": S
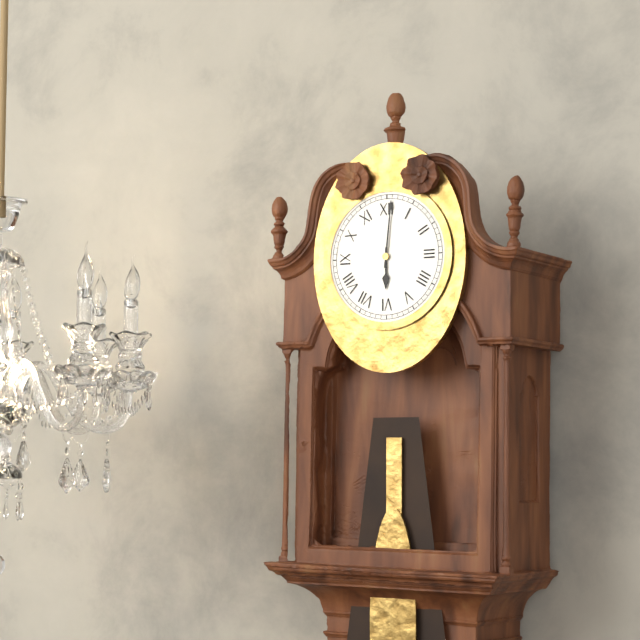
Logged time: {"hour": 6, "minute": 1}
